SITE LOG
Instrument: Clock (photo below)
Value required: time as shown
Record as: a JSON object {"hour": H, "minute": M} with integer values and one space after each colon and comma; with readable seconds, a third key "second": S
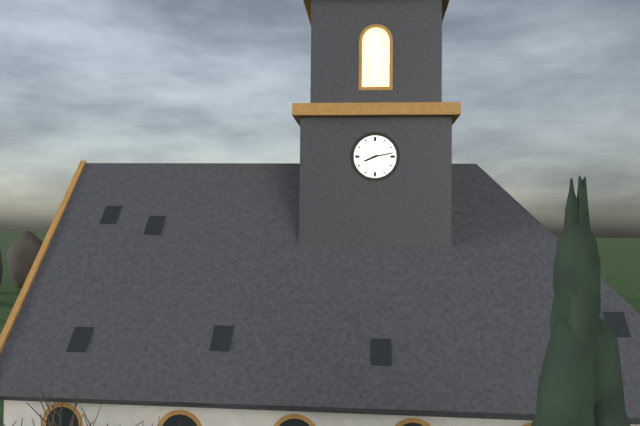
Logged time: {"hour": 8, "minute": 13}
